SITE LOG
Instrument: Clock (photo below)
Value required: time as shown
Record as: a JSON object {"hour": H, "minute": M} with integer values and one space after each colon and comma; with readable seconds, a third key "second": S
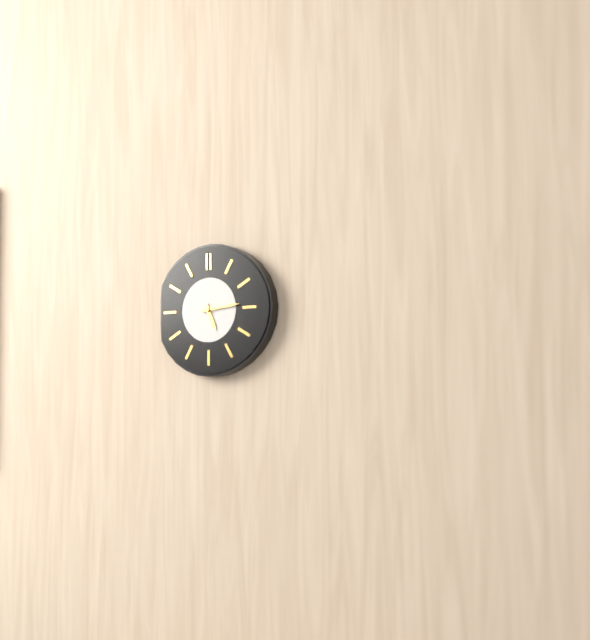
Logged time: {"hour": 5, "minute": 14}
